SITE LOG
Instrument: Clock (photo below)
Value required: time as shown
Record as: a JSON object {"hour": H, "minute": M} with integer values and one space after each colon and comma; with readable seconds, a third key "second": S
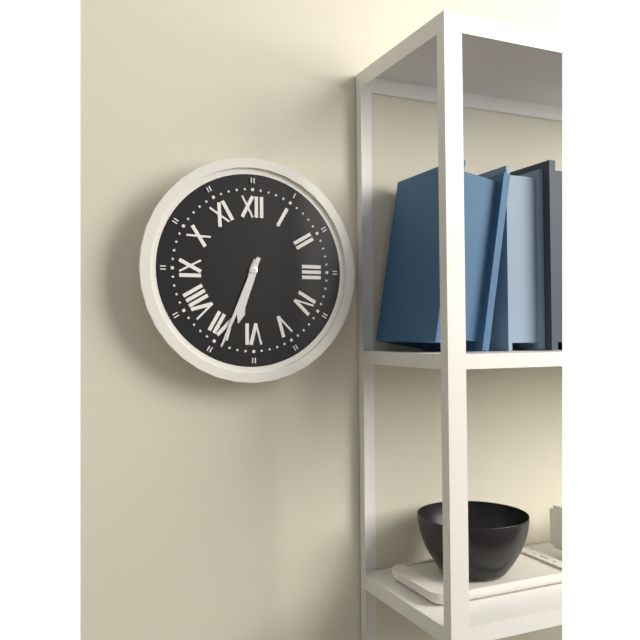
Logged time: {"hour": 6, "minute": 34}
